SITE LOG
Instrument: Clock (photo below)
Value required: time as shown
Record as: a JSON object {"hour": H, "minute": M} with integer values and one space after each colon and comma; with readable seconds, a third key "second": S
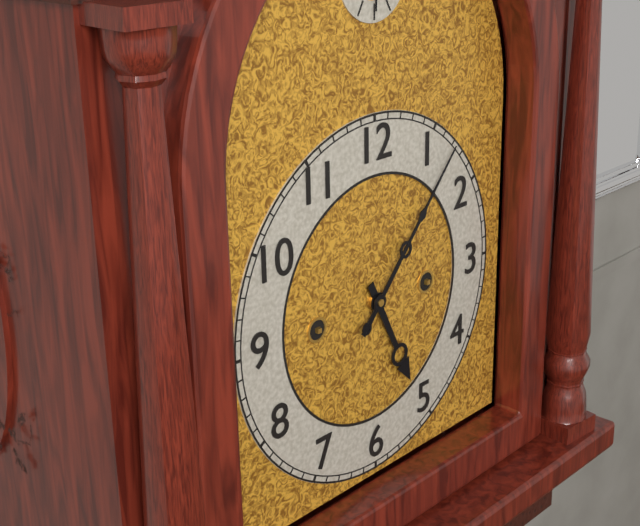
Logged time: {"hour": 5, "minute": 7}
